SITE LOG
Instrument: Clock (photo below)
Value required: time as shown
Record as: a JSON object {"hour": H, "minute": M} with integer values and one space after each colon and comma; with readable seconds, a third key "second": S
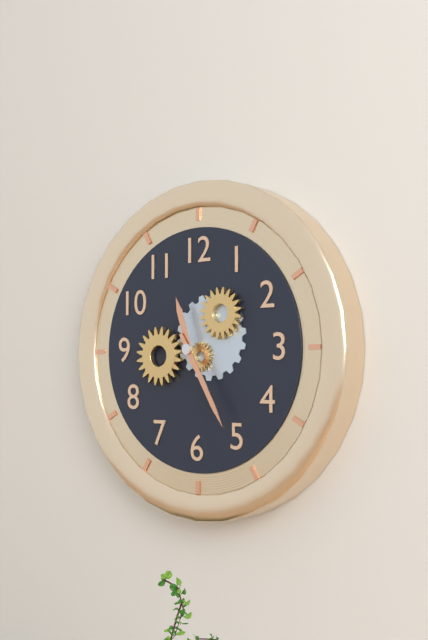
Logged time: {"hour": 11, "minute": 25}
